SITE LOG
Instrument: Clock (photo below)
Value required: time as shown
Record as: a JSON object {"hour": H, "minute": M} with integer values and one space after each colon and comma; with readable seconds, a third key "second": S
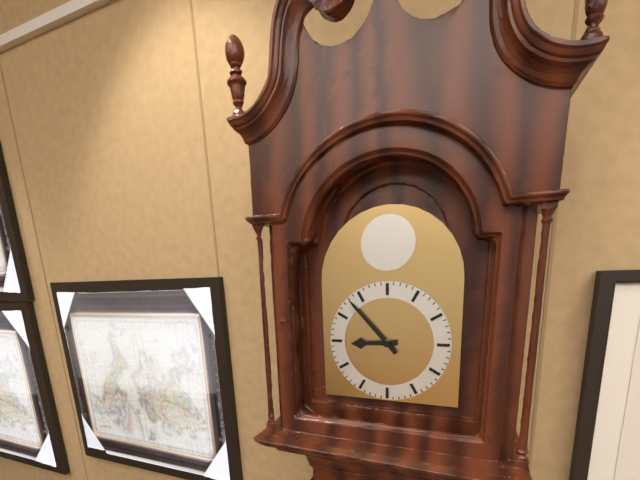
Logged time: {"hour": 8, "minute": 53}
